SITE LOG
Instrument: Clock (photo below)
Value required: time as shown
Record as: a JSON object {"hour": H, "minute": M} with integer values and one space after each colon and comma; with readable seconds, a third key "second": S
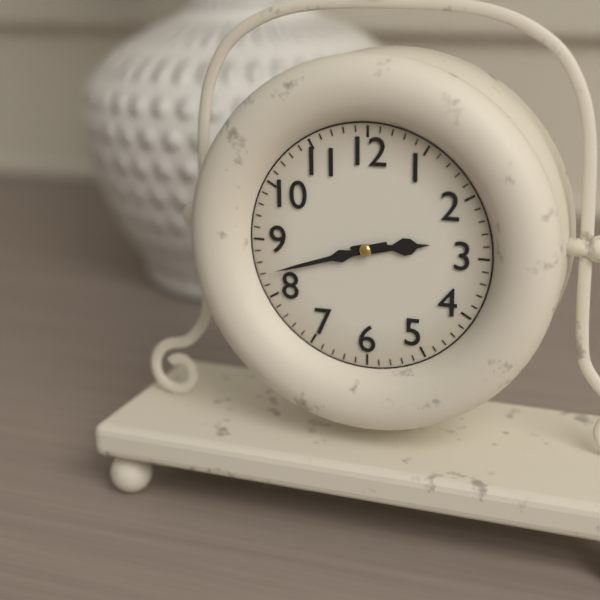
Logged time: {"hour": 2, "minute": 42}
